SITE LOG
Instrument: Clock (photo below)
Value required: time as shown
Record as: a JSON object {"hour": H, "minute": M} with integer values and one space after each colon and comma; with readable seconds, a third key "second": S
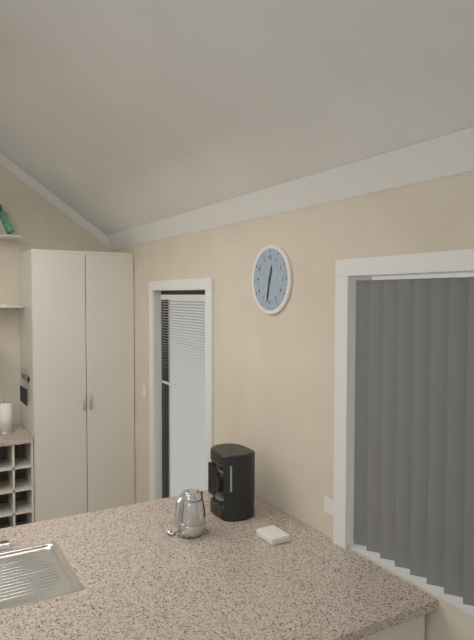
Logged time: {"hour": 12, "minute": 32}
